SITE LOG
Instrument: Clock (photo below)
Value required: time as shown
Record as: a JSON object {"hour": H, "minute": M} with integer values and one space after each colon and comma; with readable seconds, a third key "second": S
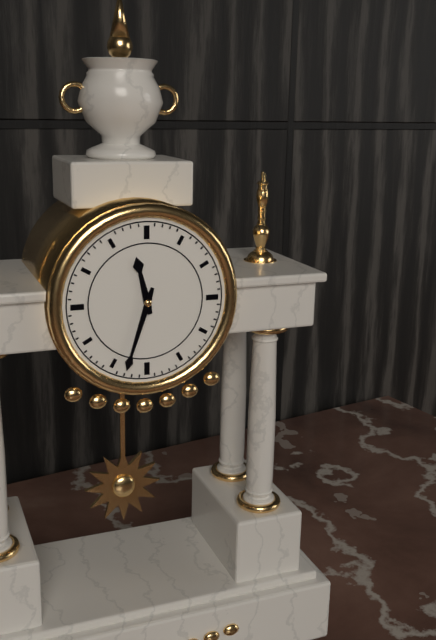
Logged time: {"hour": 11, "minute": 33}
